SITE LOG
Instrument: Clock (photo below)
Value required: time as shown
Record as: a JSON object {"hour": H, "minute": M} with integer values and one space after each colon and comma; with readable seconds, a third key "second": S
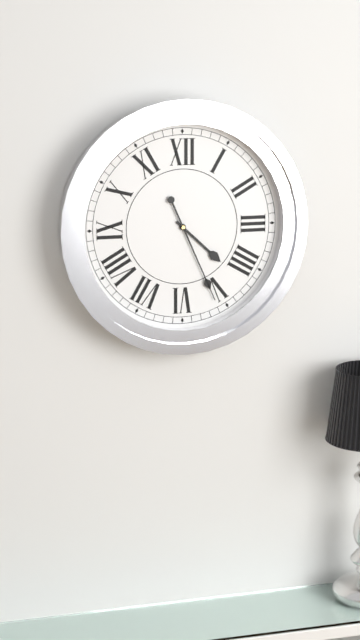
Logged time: {"hour": 4, "minute": 26}
